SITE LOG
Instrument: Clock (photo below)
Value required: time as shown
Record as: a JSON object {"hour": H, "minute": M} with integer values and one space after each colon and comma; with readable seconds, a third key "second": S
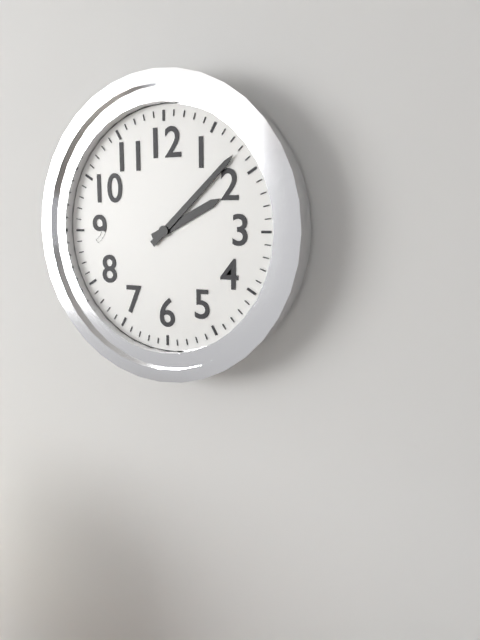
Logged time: {"hour": 2, "minute": 8}
